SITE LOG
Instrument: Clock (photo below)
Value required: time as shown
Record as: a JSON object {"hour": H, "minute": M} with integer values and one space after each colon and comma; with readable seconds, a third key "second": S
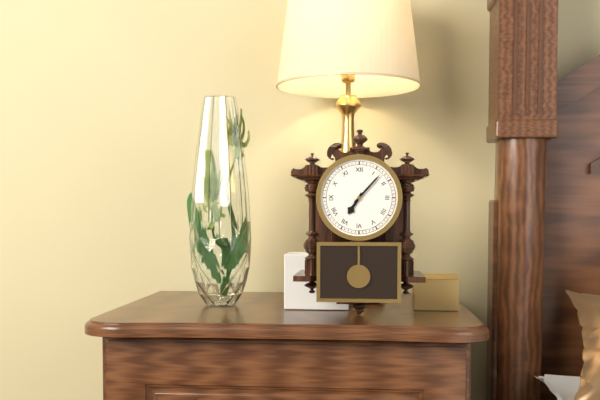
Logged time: {"hour": 7, "minute": 7}
